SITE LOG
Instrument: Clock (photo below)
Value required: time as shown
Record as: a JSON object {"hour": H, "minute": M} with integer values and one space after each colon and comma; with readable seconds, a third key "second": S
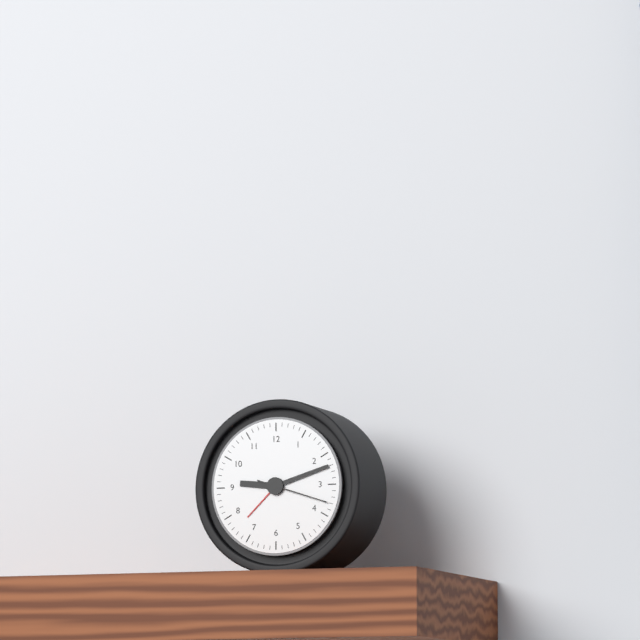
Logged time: {"hour": 9, "minute": 12, "second": 18}
